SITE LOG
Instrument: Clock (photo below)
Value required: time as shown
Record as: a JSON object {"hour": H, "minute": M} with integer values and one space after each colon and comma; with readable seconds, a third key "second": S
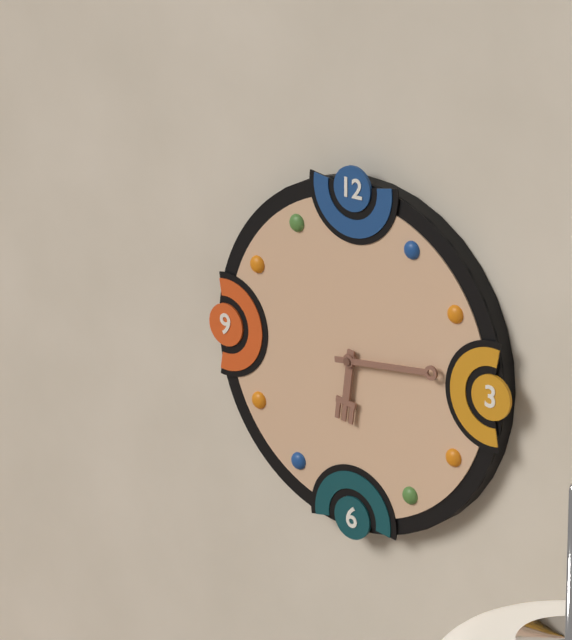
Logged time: {"hour": 6, "minute": 14}
